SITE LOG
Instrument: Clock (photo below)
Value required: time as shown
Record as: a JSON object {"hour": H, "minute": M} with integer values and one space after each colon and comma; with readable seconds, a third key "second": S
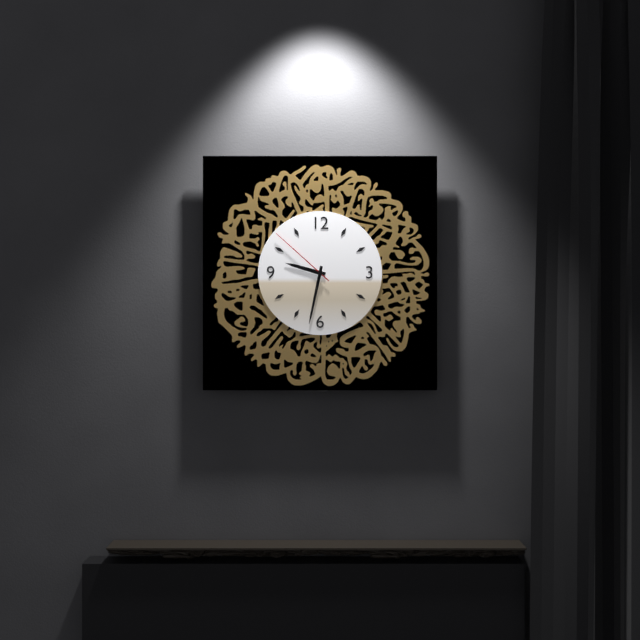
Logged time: {"hour": 9, "minute": 32, "second": 52}
